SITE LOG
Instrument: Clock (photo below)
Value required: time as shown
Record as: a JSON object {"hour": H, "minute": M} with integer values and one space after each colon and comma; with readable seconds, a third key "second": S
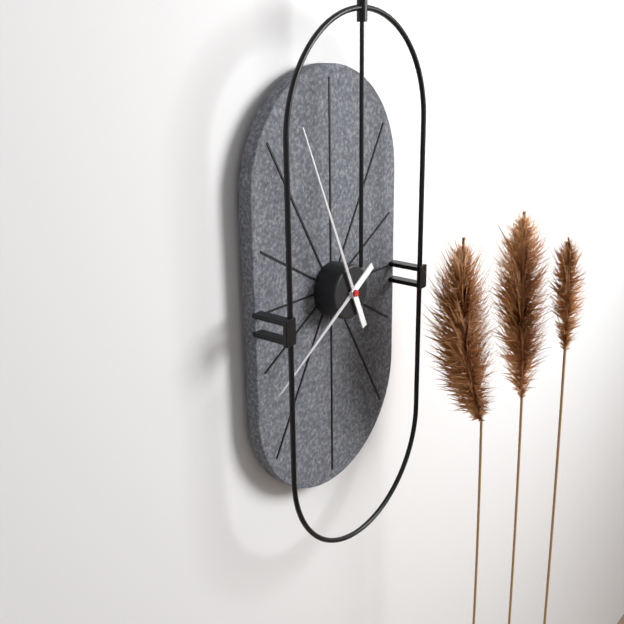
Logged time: {"hour": 7, "minute": 56}
